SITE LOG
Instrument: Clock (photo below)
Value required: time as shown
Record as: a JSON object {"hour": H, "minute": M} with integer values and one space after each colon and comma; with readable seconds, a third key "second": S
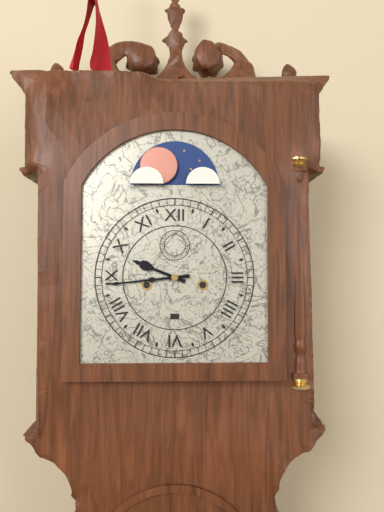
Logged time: {"hour": 9, "minute": 44}
